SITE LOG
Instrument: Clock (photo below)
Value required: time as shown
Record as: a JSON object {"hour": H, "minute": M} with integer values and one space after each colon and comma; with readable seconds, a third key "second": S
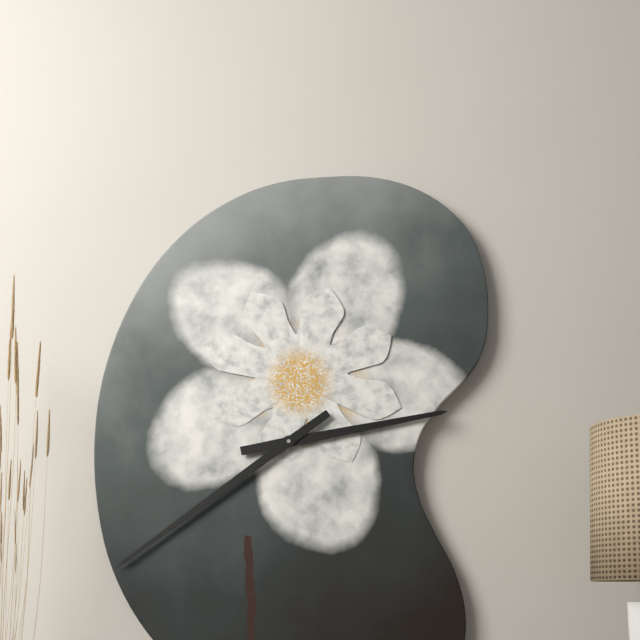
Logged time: {"hour": 2, "minute": 39}
